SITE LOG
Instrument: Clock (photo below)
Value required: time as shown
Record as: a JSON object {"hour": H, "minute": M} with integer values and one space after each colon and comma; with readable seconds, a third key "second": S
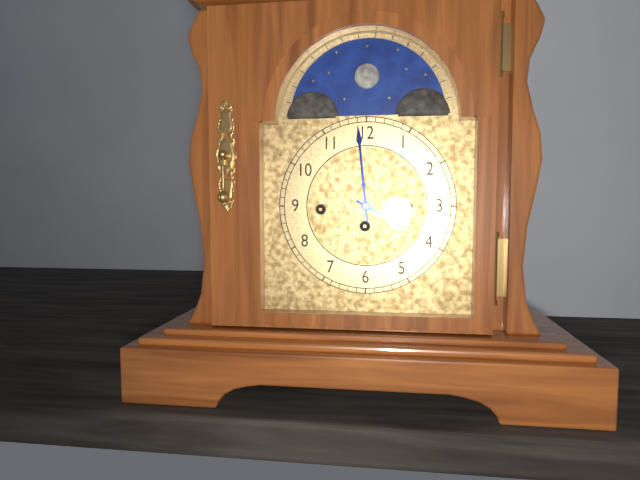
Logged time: {"hour": 3, "minute": 59}
